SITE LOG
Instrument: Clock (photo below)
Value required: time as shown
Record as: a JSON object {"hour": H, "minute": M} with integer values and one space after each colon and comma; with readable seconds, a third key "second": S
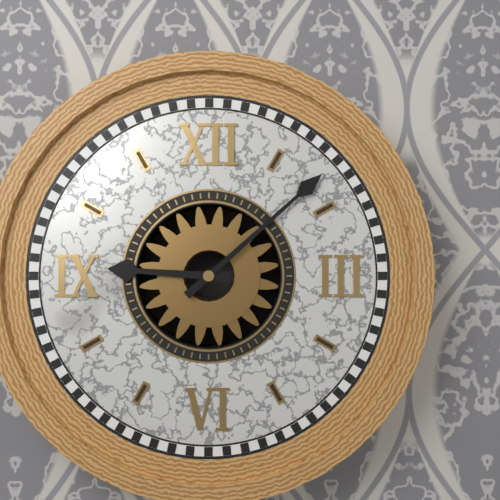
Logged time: {"hour": 9, "minute": 8}
